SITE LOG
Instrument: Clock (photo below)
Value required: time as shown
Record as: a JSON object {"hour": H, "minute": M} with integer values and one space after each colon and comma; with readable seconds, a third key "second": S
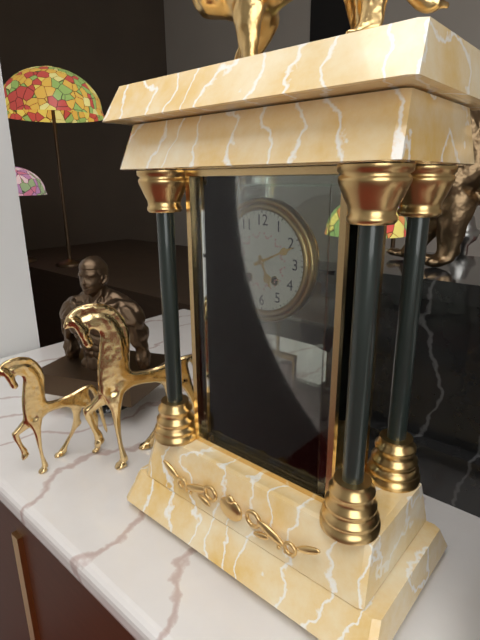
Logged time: {"hour": 5, "minute": 11}
